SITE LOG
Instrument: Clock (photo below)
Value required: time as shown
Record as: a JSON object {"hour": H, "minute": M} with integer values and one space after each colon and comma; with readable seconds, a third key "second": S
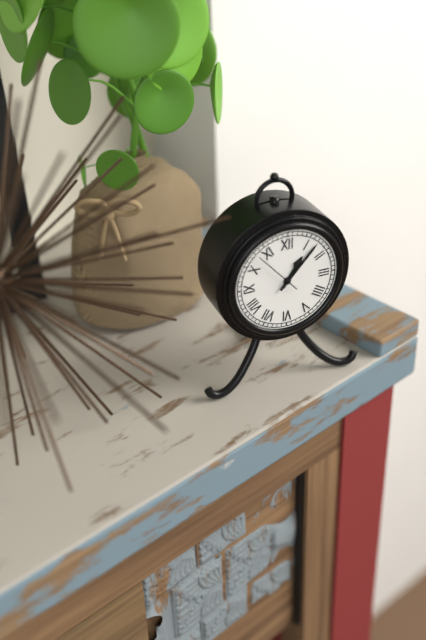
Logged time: {"hour": 1, "minute": 7}
